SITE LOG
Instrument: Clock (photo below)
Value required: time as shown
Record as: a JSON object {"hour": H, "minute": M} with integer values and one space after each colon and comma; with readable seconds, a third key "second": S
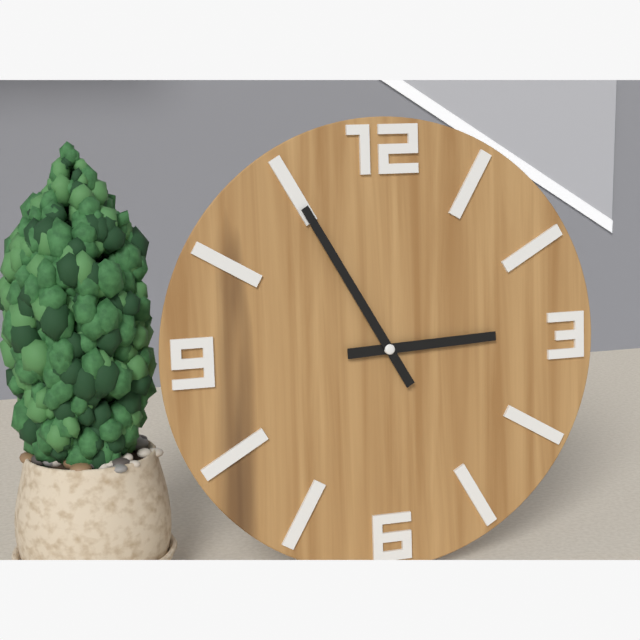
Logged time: {"hour": 2, "minute": 55}
